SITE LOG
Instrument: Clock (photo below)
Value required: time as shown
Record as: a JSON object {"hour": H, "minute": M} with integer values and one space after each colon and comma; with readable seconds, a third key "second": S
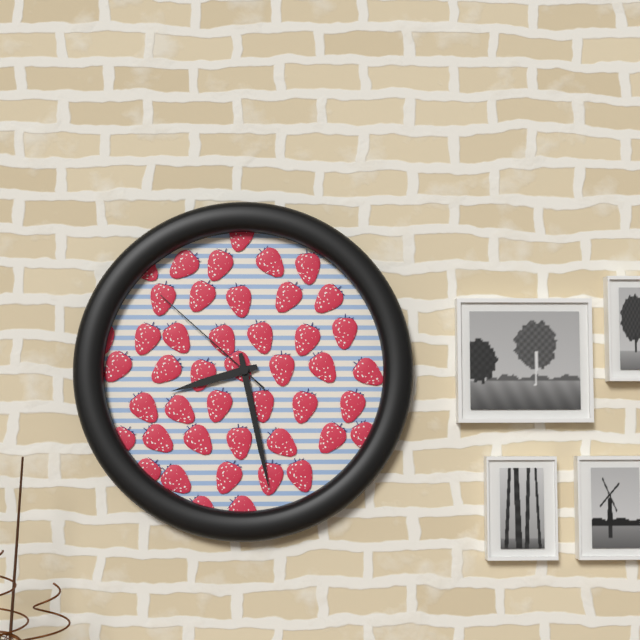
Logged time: {"hour": 8, "minute": 28, "second": 52}
